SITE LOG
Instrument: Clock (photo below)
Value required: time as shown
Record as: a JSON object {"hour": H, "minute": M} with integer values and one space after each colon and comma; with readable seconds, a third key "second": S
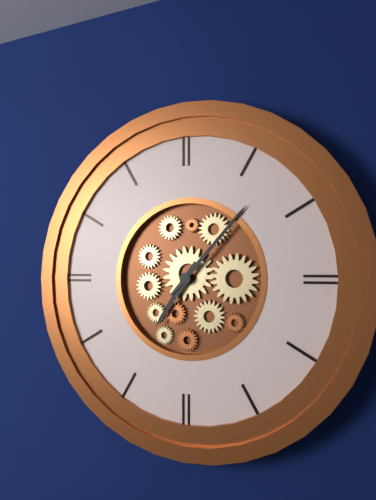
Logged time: {"hour": 7, "minute": 7}
